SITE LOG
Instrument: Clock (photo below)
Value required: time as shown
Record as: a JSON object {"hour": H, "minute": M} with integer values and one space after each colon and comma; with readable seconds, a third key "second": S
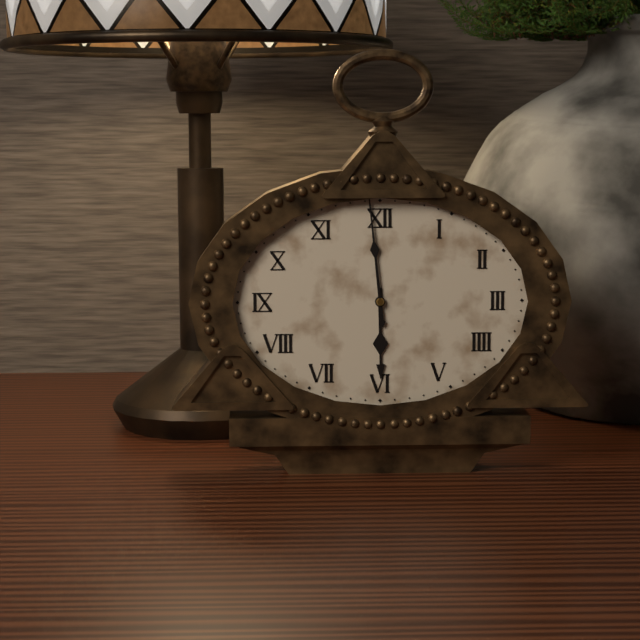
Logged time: {"hour": 5, "minute": 59}
